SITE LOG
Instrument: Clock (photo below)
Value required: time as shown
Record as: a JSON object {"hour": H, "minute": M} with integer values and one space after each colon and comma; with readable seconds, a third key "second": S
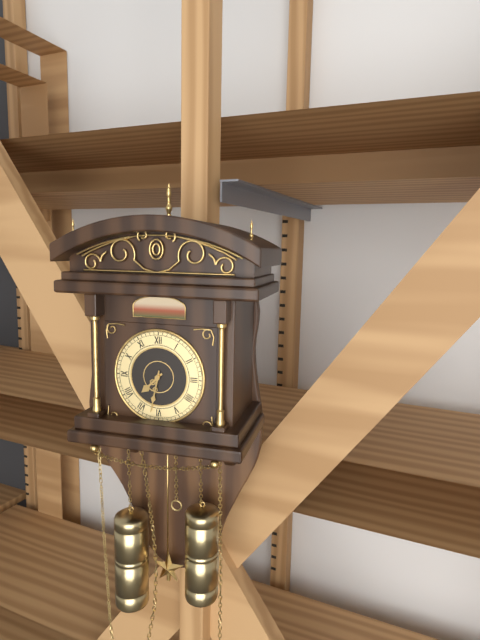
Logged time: {"hour": 7, "minute": 32}
